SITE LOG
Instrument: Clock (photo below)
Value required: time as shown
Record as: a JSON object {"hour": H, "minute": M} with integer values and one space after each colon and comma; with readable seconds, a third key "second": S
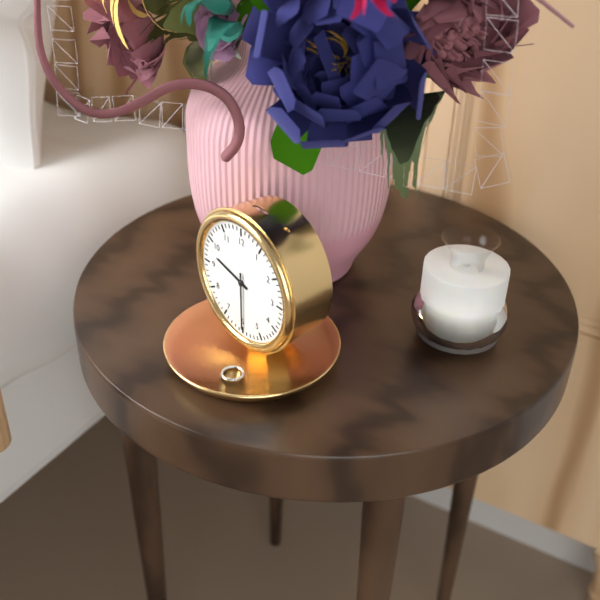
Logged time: {"hour": 9, "minute": 30}
